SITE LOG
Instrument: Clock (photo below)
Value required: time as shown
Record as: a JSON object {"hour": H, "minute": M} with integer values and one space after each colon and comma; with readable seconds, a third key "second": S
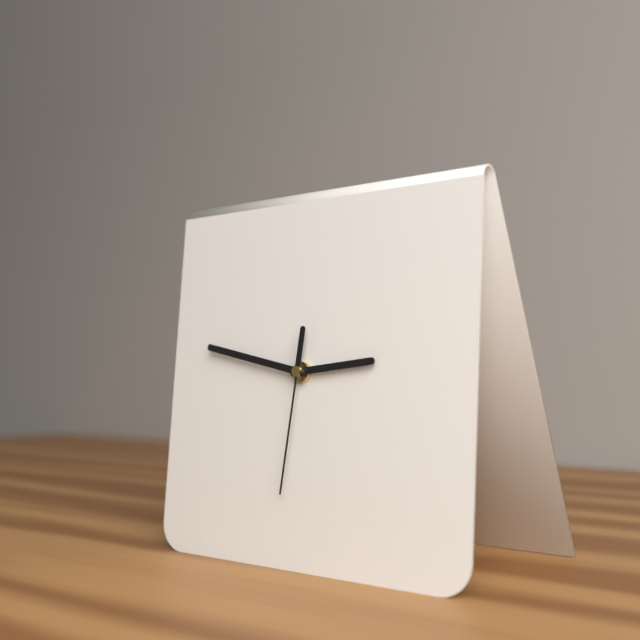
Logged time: {"hour": 2, "minute": 47, "second": 31}
